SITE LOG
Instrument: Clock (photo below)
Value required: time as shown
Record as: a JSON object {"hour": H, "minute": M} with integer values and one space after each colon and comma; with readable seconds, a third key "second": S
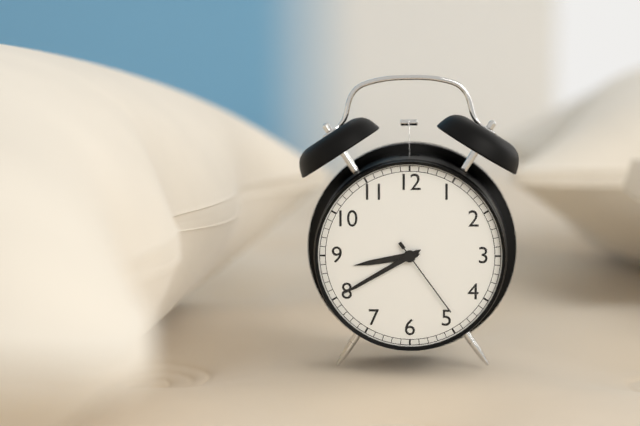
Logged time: {"hour": 8, "minute": 40, "second": 24}
